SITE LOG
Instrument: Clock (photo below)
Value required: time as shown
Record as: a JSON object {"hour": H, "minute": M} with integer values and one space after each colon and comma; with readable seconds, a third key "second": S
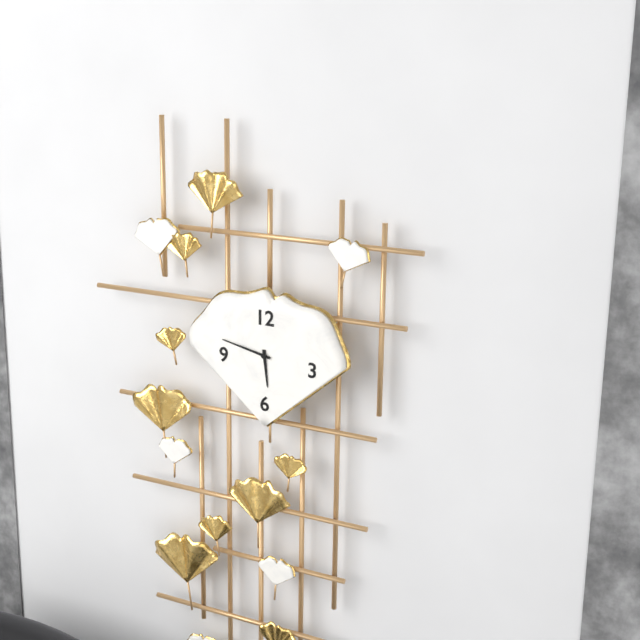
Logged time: {"hour": 5, "minute": 47}
